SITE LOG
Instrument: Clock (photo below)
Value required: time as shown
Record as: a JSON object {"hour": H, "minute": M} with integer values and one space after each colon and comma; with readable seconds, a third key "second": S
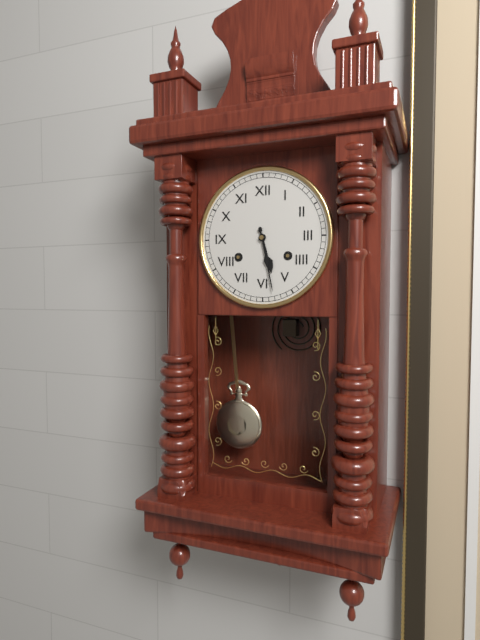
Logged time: {"hour": 5, "minute": 28}
